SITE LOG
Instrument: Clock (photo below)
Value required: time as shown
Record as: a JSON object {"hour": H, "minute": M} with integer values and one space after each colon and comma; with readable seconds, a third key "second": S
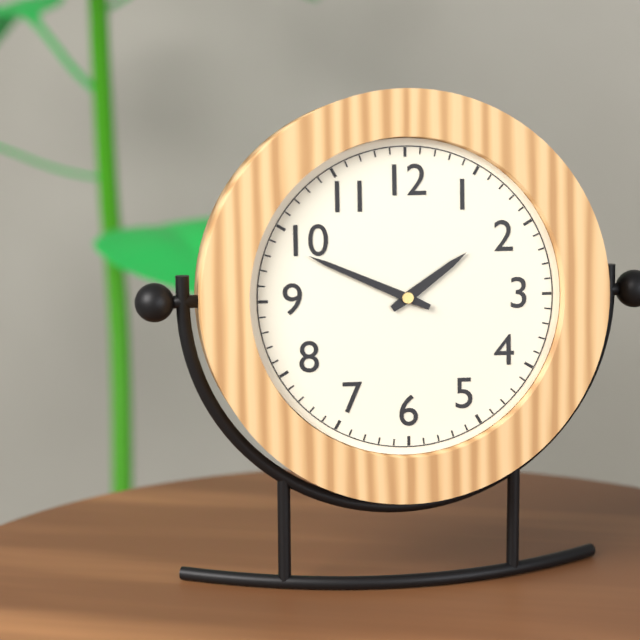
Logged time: {"hour": 1, "minute": 49}
